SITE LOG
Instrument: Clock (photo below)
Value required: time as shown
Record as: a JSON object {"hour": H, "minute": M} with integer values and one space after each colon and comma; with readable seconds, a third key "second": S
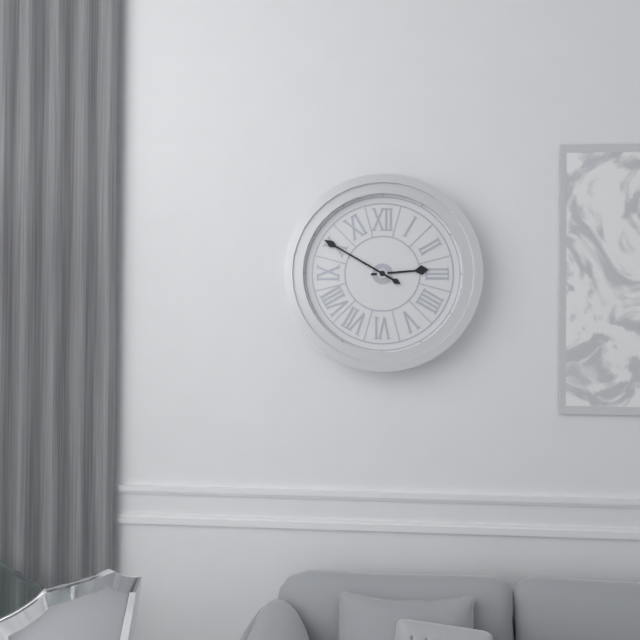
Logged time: {"hour": 2, "minute": 50}
